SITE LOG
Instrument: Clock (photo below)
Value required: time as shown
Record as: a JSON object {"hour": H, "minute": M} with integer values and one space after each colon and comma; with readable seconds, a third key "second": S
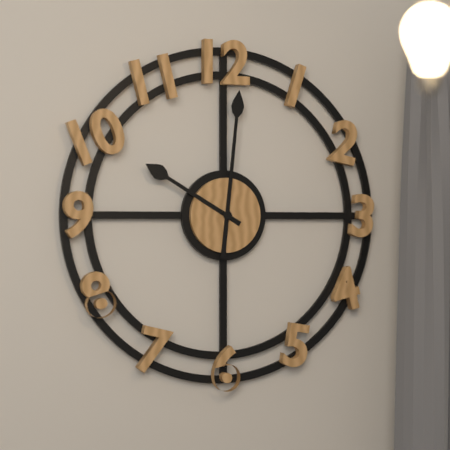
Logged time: {"hour": 10, "minute": 1}
